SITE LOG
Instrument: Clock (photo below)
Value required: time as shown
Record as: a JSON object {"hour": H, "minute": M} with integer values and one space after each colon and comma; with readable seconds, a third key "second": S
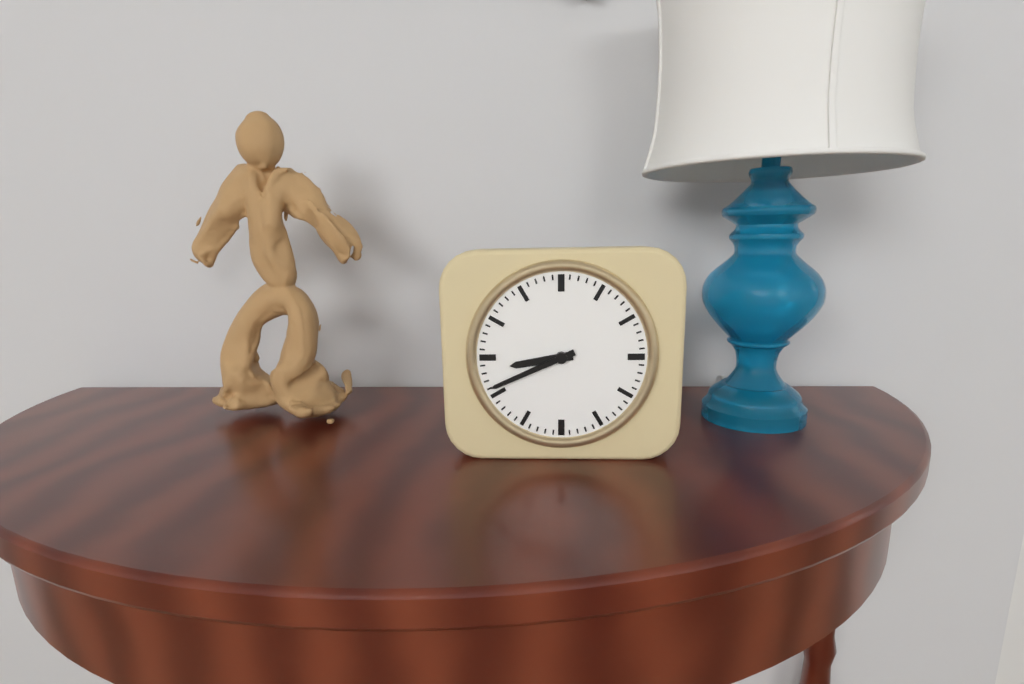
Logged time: {"hour": 8, "minute": 41}
